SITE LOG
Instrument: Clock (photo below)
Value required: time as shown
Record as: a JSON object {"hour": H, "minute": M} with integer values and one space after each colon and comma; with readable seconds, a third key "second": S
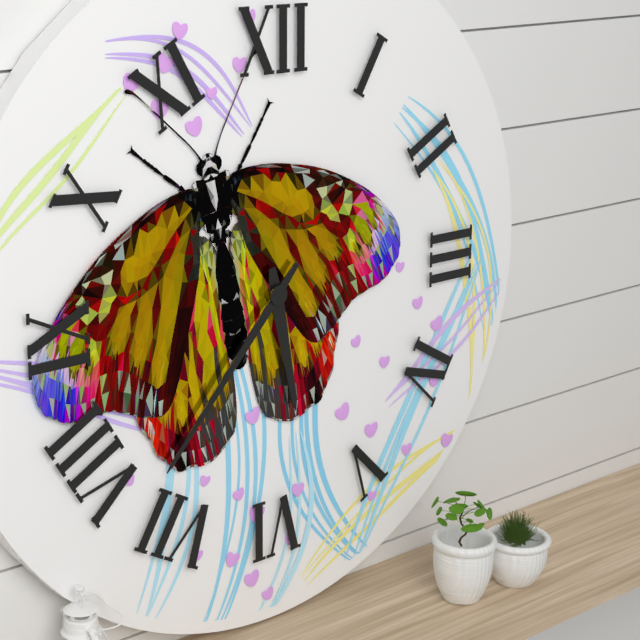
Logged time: {"hour": 5, "minute": 37}
